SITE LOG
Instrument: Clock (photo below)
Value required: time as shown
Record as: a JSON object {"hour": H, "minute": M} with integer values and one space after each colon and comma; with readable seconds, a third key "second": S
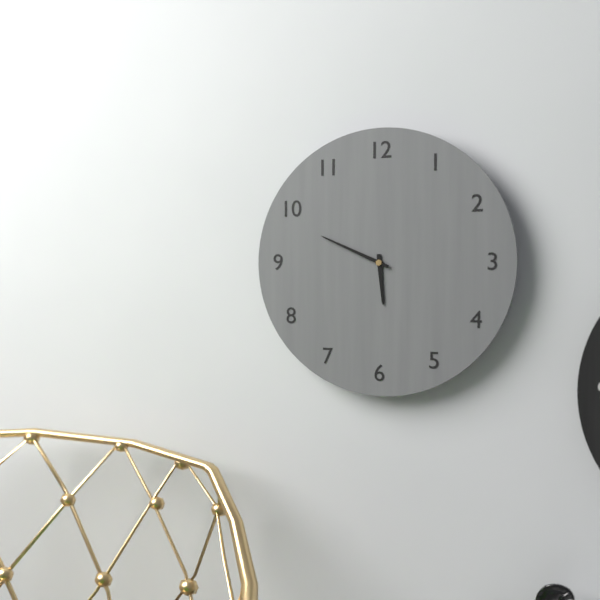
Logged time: {"hour": 5, "minute": 49}
